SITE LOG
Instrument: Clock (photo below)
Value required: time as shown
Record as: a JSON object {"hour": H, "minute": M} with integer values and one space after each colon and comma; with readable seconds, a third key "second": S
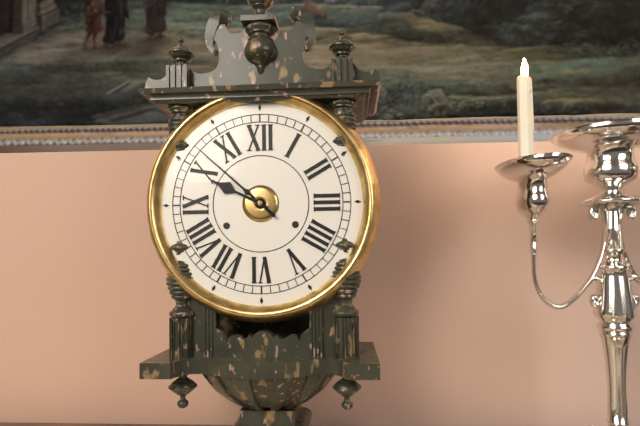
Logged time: {"hour": 9, "minute": 52}
